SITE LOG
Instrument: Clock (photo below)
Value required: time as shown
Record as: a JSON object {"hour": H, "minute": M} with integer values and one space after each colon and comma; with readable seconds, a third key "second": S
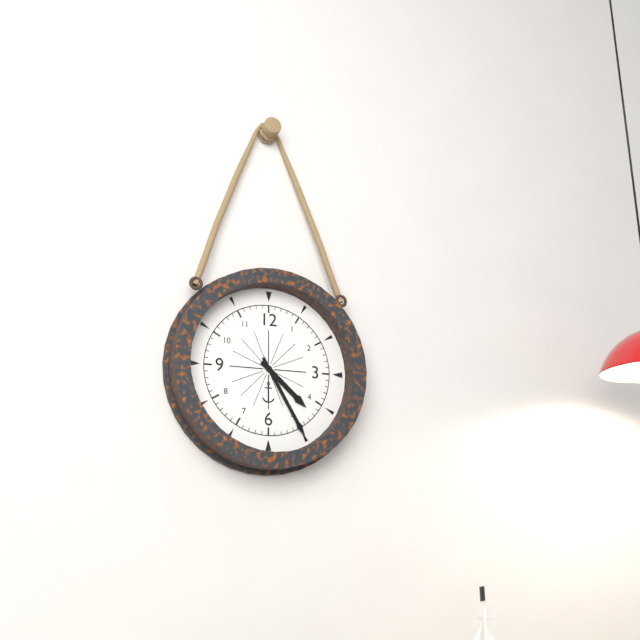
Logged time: {"hour": 4, "minute": 25}
